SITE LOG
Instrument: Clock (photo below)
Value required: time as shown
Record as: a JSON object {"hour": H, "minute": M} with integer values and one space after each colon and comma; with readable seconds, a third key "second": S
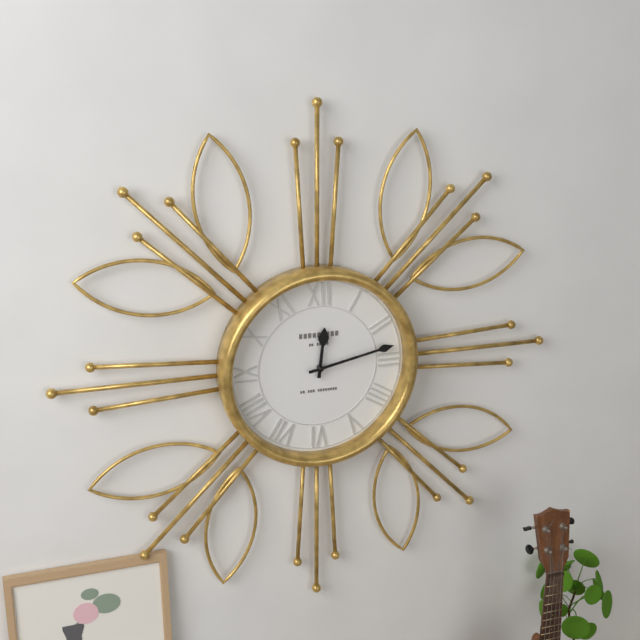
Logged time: {"hour": 12, "minute": 13}
